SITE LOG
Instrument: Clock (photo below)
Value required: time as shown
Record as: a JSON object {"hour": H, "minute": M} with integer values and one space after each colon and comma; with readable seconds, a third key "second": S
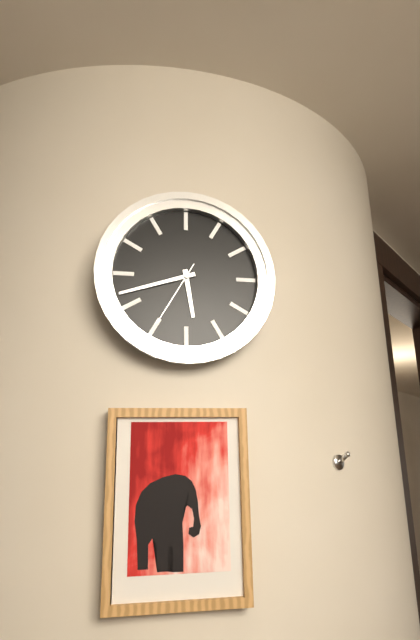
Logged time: {"hour": 5, "minute": 42, "second": 35}
